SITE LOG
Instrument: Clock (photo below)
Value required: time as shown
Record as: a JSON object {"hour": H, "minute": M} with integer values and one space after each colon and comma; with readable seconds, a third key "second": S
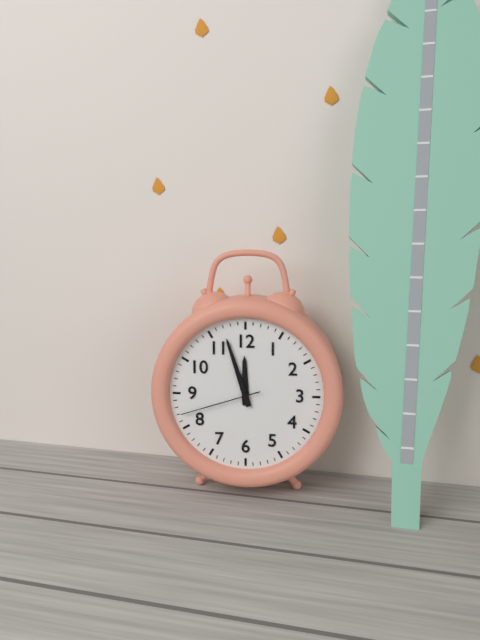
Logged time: {"hour": 11, "minute": 57, "second": 42}
